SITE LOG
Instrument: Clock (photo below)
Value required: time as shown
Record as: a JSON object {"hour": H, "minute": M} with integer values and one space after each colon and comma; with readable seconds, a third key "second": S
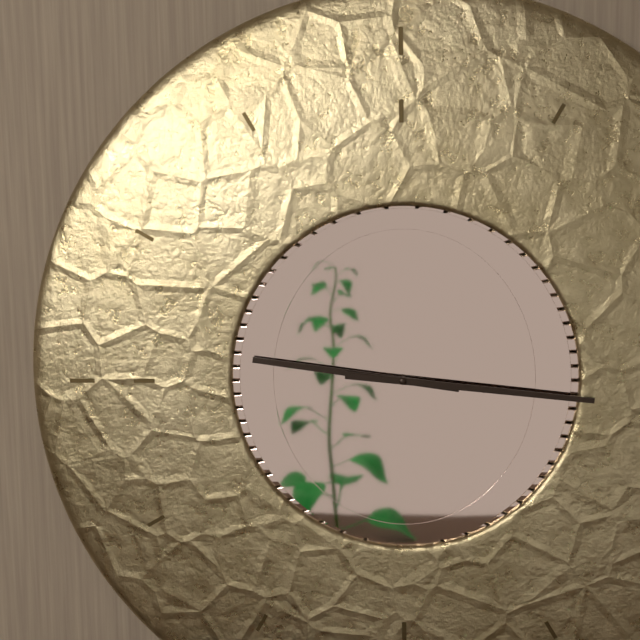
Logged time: {"hour": 9, "minute": 16}
